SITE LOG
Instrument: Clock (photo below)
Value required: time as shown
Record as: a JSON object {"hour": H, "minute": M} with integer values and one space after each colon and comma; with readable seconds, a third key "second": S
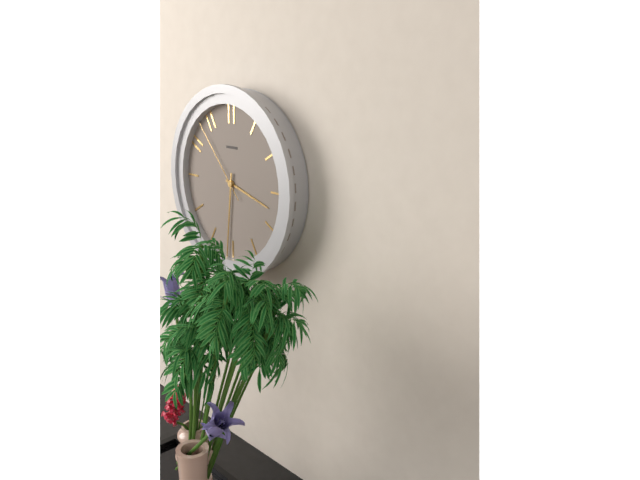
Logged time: {"hour": 3, "minute": 31, "second": 53}
